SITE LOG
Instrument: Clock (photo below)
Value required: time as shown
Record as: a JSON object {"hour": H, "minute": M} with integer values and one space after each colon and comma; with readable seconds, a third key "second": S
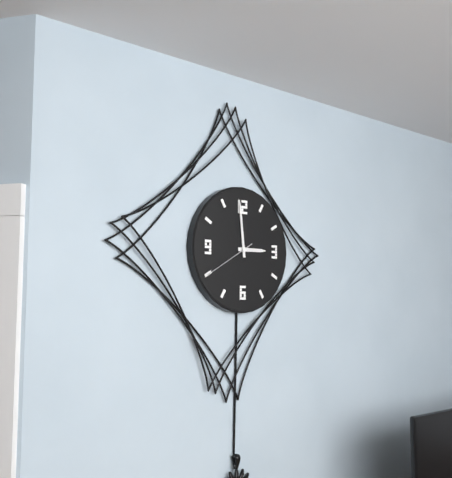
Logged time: {"hour": 2, "minute": 59, "second": 40}
